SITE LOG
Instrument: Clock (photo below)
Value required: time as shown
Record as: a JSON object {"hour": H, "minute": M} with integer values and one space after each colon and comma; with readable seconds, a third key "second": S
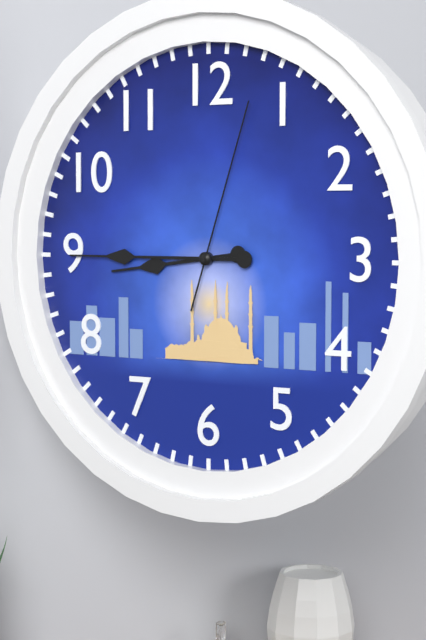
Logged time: {"hour": 8, "minute": 45, "second": 3}
